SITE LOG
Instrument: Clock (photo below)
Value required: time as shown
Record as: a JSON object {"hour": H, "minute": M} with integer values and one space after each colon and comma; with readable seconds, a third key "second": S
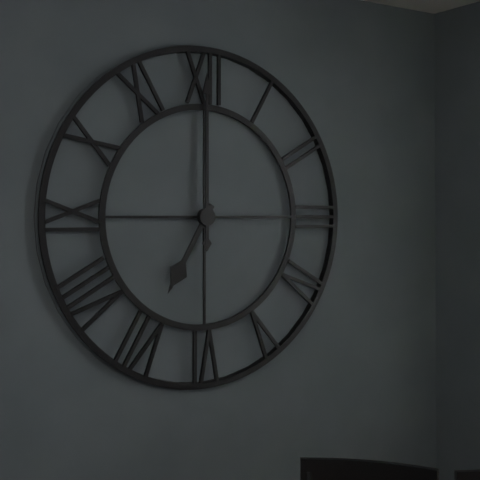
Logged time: {"hour": 7, "minute": 0}
